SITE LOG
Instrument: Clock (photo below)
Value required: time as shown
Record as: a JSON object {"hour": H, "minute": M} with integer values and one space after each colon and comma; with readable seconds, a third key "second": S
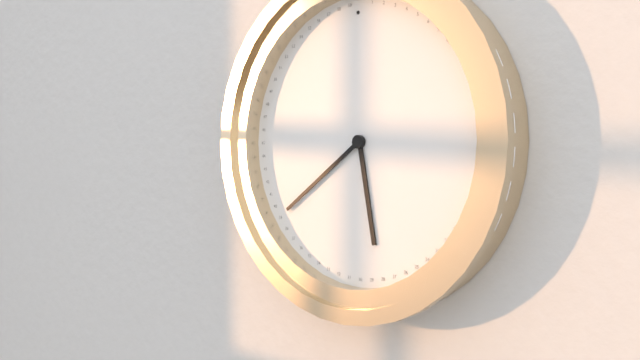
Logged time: {"hour": 5, "minute": 39}
